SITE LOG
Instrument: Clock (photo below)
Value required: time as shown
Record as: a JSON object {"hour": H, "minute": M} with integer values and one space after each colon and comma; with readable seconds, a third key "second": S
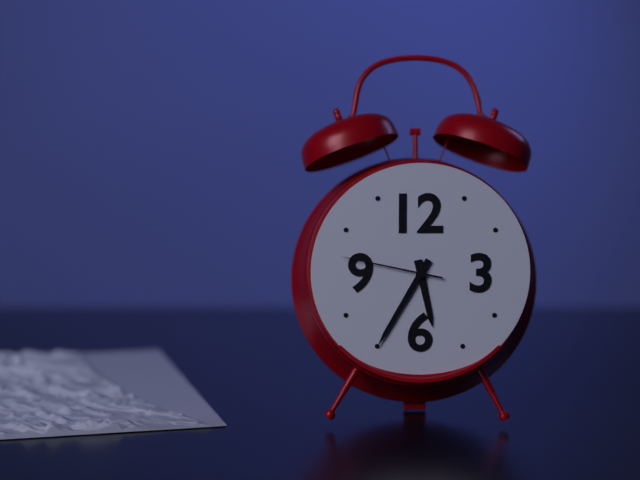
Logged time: {"hour": 5, "minute": 35, "second": 47}
